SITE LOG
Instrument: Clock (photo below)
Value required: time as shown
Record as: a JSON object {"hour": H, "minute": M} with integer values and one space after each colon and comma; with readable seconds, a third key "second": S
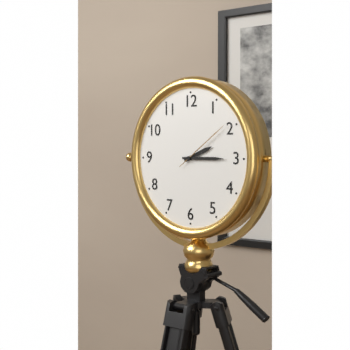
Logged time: {"hour": 2, "minute": 15, "second": 9}
